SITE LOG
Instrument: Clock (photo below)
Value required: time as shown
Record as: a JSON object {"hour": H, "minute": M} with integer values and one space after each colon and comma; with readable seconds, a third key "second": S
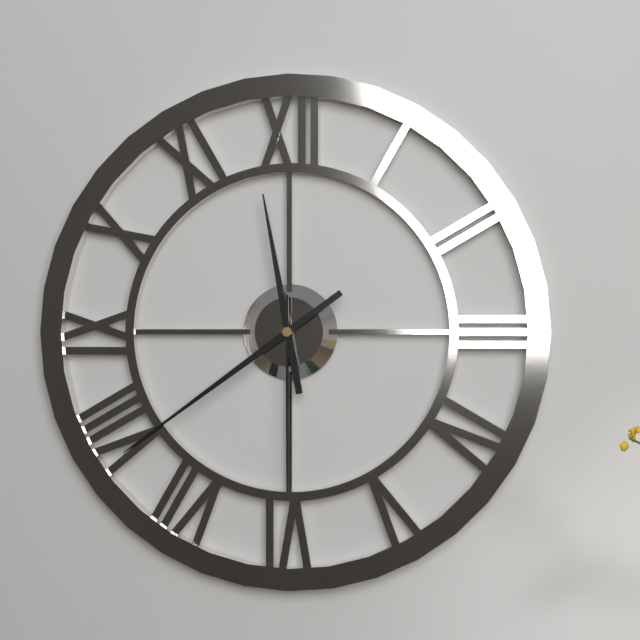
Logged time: {"hour": 11, "minute": 39, "second": 30}
